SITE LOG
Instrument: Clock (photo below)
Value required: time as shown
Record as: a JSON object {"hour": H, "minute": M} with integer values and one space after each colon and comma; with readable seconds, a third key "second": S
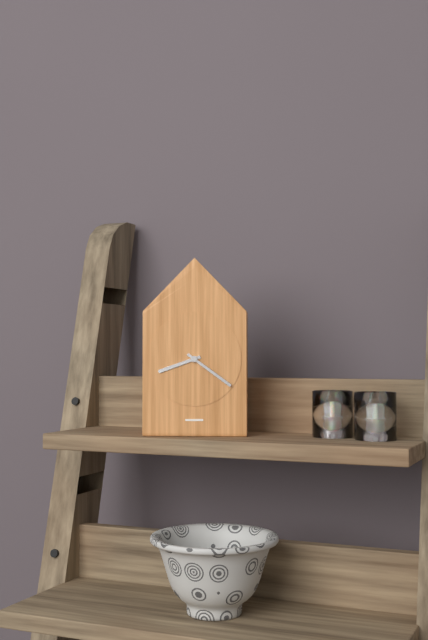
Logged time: {"hour": 8, "minute": 21}
